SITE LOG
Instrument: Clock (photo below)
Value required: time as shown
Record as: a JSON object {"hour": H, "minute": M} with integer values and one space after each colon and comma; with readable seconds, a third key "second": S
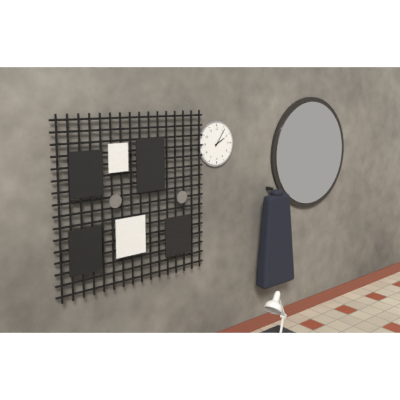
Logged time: {"hour": 2, "minute": 6}
